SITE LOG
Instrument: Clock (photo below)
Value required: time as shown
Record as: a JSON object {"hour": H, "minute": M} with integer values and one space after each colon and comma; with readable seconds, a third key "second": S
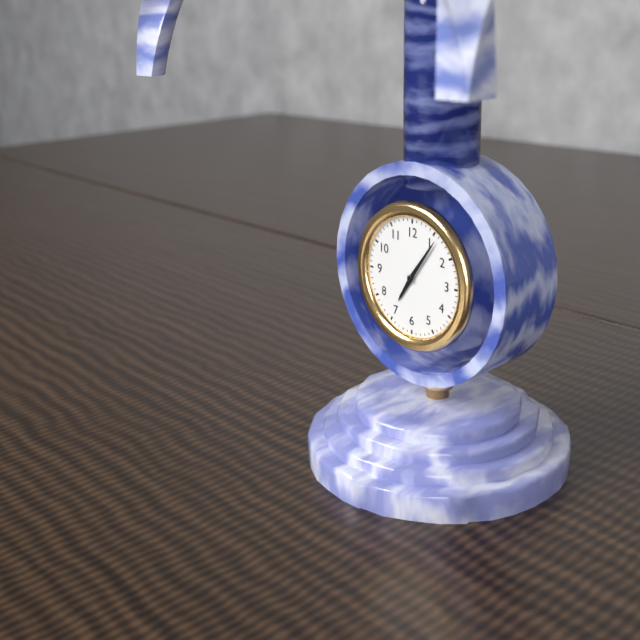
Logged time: {"hour": 7, "minute": 6}
